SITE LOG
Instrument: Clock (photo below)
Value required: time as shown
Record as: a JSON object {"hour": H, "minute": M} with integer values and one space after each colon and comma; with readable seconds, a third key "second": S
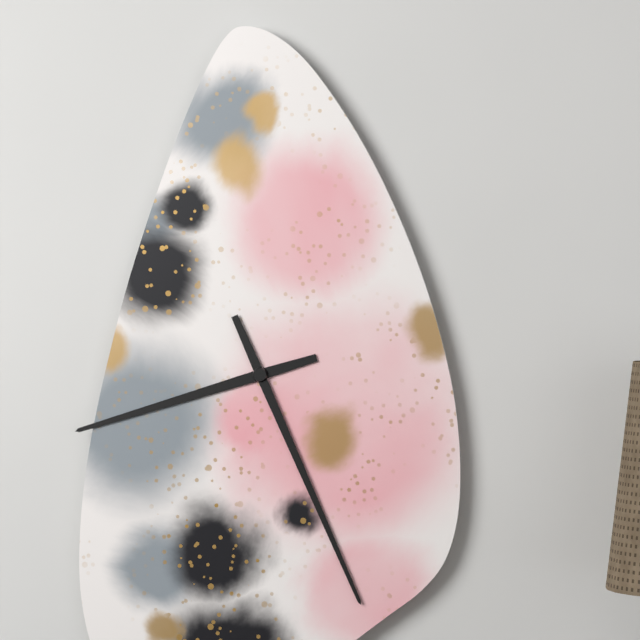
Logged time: {"hour": 8, "minute": 26}
